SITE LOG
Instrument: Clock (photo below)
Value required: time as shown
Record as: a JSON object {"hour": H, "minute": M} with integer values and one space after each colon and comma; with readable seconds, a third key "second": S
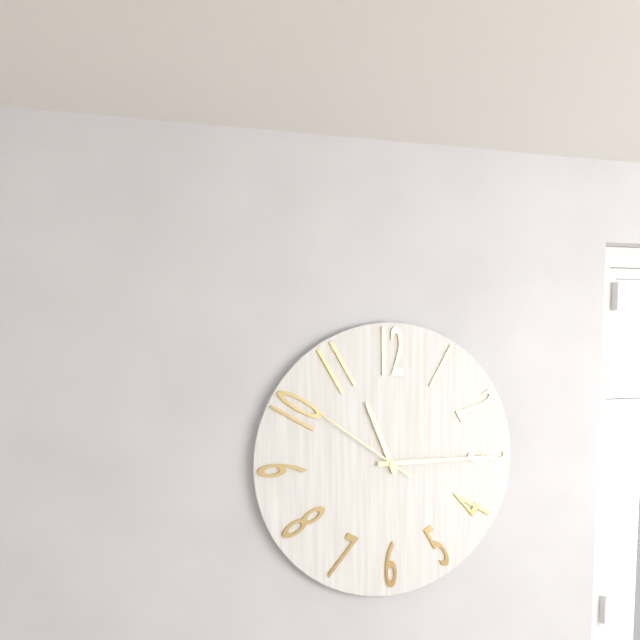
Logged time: {"hour": 11, "minute": 15, "second": 51}
